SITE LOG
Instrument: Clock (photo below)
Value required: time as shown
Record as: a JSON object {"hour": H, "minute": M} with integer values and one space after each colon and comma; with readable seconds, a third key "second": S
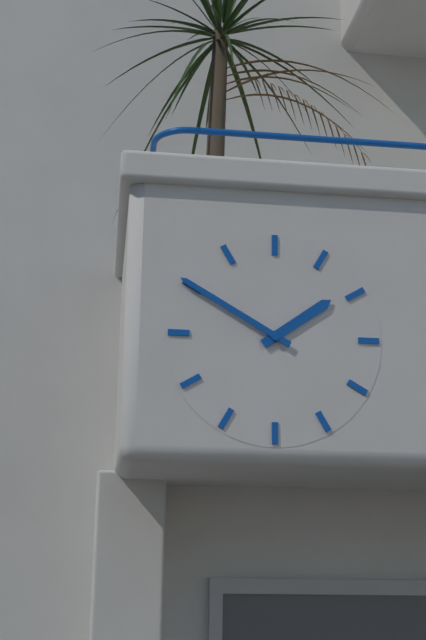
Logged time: {"hour": 1, "minute": 50}
